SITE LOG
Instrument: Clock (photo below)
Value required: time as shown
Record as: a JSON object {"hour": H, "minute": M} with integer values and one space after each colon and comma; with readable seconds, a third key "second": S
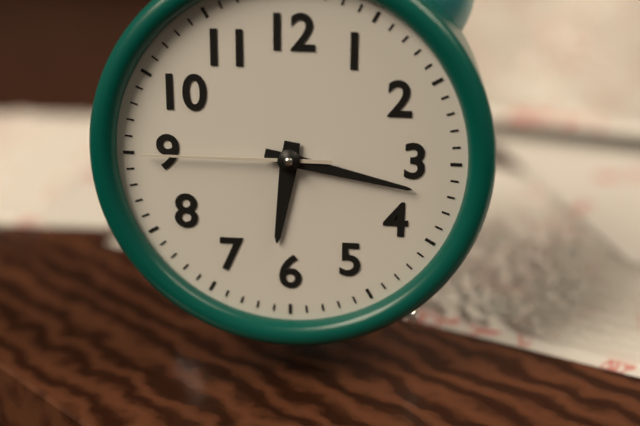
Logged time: {"hour": 6, "minute": 17, "second": 45}
